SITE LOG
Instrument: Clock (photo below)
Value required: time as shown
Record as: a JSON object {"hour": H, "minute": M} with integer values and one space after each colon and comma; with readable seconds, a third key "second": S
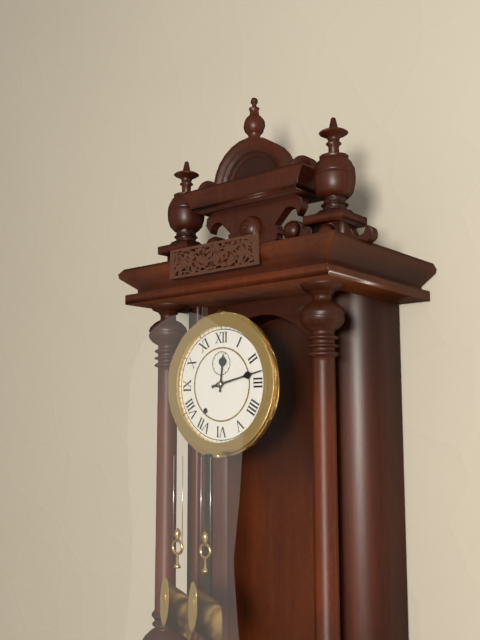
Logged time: {"hour": 12, "minute": 13}
